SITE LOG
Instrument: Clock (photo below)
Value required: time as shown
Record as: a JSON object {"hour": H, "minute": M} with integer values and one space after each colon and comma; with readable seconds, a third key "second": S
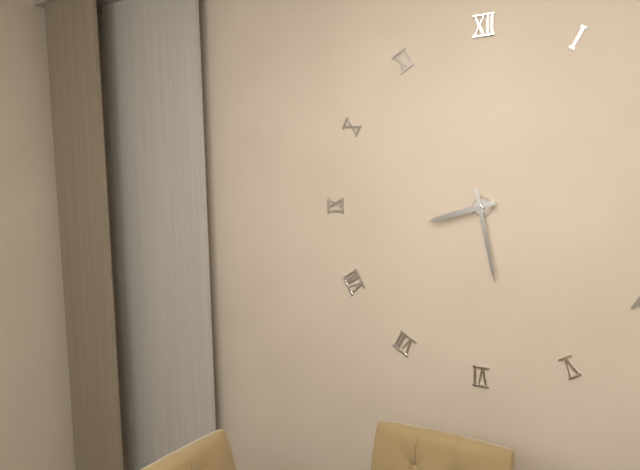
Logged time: {"hour": 8, "minute": 28}
